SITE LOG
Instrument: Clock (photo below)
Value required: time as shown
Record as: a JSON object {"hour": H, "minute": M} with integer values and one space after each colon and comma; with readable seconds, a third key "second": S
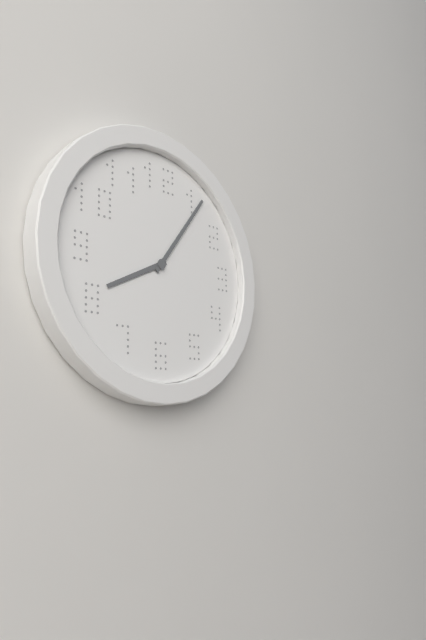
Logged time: {"hour": 8, "minute": 6}
